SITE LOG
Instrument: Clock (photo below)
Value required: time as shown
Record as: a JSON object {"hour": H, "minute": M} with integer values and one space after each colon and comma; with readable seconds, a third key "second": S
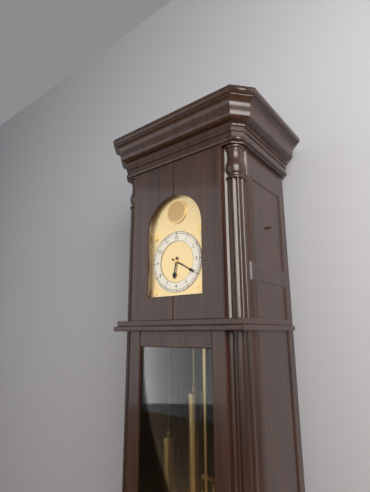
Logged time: {"hour": 6, "minute": 20}
